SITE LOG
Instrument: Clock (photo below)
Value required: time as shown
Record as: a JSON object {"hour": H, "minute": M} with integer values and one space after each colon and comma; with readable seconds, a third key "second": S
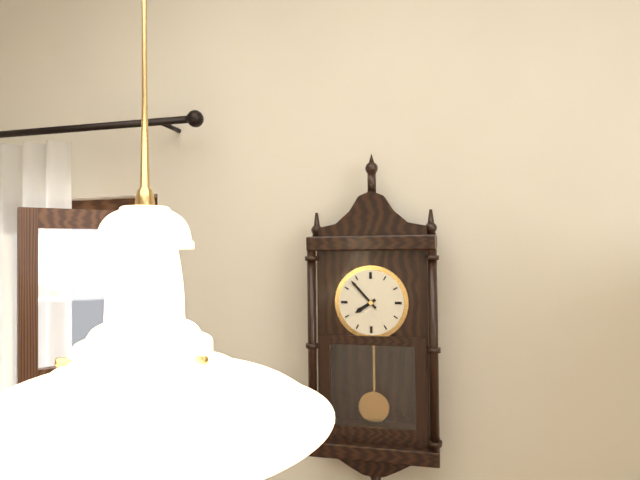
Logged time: {"hour": 7, "minute": 53}
